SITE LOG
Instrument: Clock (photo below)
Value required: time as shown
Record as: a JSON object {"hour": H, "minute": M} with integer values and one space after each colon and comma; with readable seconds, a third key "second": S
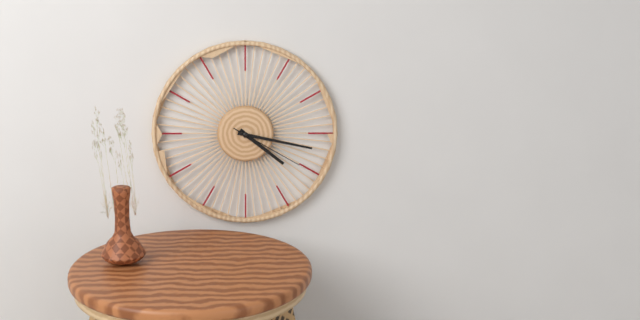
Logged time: {"hour": 4, "minute": 17, "second": 20}
